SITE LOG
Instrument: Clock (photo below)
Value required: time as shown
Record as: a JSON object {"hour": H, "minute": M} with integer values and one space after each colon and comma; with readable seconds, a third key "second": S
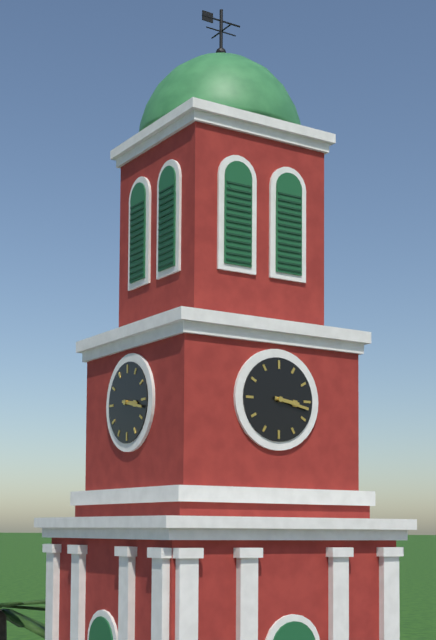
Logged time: {"hour": 3, "minute": 17}
